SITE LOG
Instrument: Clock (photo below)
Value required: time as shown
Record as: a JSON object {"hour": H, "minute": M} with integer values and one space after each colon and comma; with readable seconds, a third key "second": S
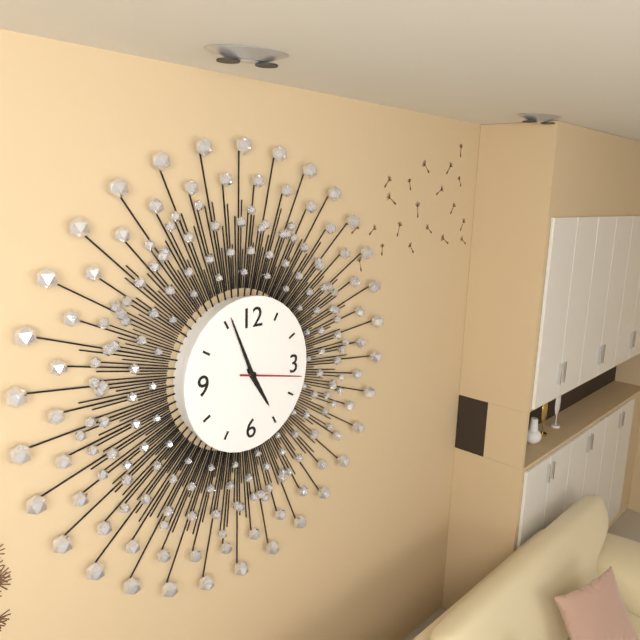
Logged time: {"hour": 4, "minute": 56, "second": 17}
